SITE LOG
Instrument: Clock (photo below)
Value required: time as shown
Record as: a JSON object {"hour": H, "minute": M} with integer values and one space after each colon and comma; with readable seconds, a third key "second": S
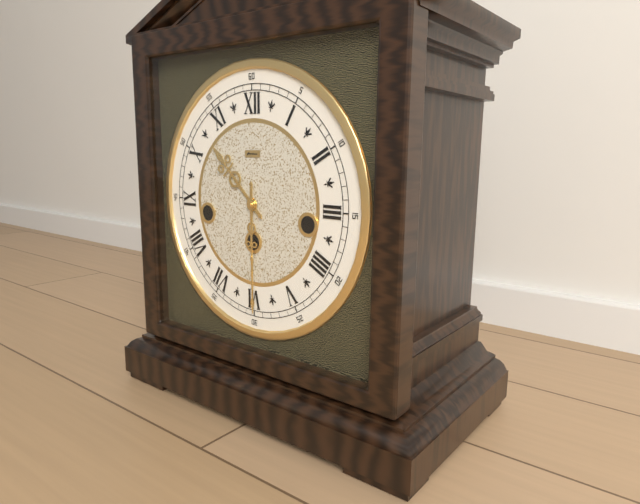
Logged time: {"hour": 10, "minute": 30}
